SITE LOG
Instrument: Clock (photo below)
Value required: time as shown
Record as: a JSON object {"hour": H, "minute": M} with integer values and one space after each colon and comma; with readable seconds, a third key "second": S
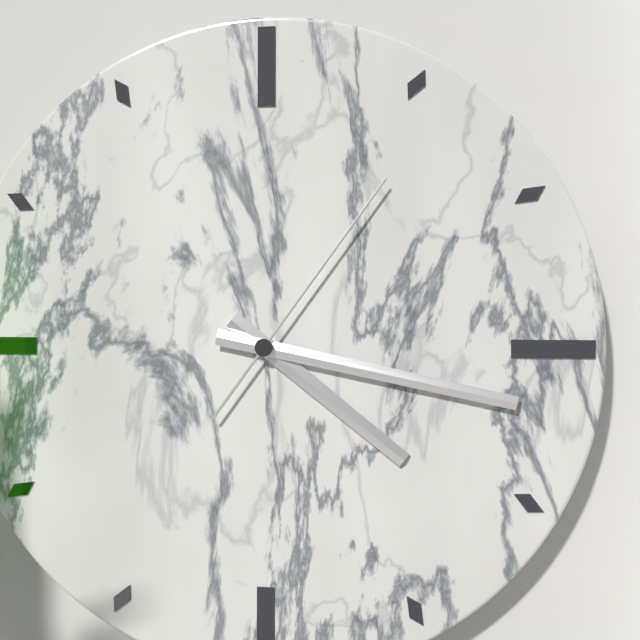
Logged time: {"hour": 4, "minute": 17, "second": 6}
